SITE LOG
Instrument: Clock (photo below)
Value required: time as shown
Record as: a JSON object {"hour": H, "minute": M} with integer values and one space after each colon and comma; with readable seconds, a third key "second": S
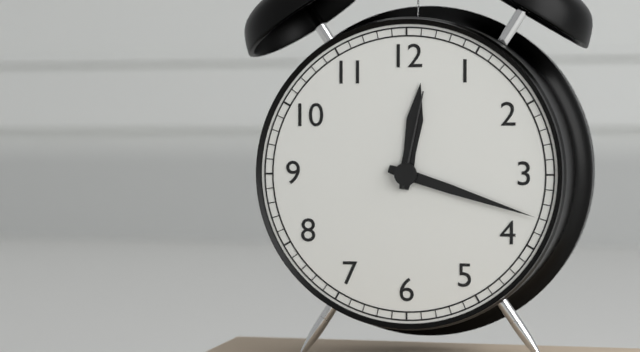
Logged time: {"hour": 12, "minute": 18, "second": 2}
